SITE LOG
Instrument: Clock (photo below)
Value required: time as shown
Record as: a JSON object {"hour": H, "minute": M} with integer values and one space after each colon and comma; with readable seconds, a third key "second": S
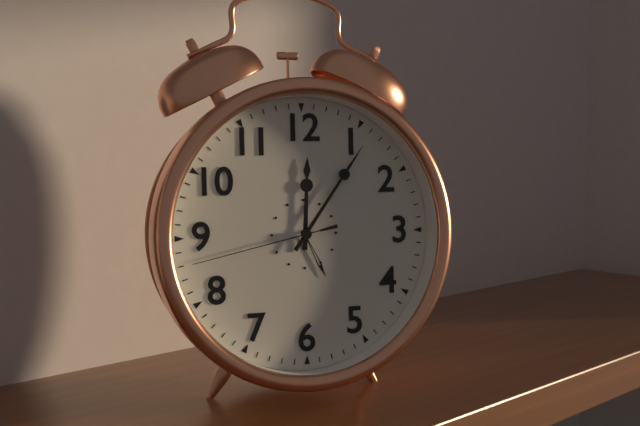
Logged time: {"hour": 12, "minute": 6, "second": 43}
